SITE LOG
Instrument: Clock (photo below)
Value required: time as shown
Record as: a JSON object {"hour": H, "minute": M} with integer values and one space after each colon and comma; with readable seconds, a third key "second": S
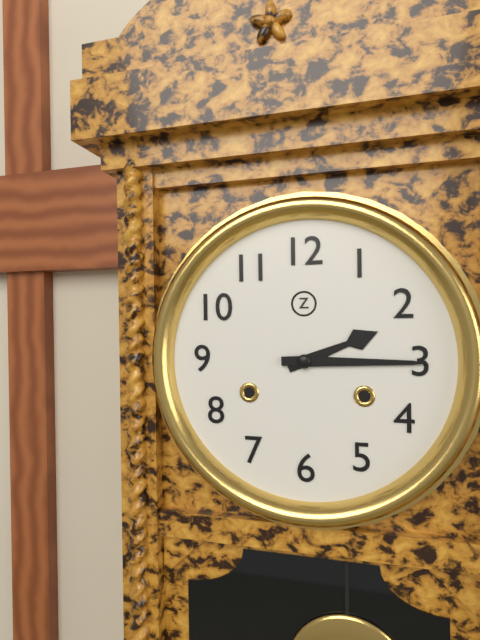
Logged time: {"hour": 2, "minute": 15}
